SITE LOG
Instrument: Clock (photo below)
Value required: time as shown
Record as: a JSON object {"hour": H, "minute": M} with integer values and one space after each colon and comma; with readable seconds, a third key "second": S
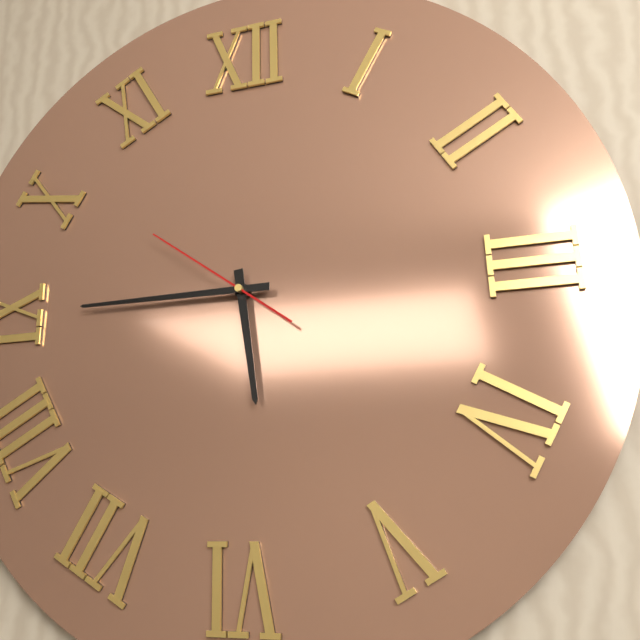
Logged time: {"hour": 5, "minute": 45, "second": 51}
